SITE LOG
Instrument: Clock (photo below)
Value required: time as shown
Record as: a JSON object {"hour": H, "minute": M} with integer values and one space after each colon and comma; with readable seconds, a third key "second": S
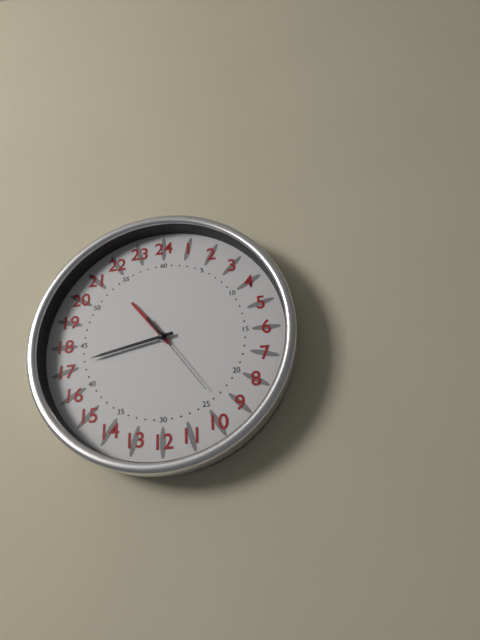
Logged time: {"hour": 10, "minute": 43, "second": 24}
